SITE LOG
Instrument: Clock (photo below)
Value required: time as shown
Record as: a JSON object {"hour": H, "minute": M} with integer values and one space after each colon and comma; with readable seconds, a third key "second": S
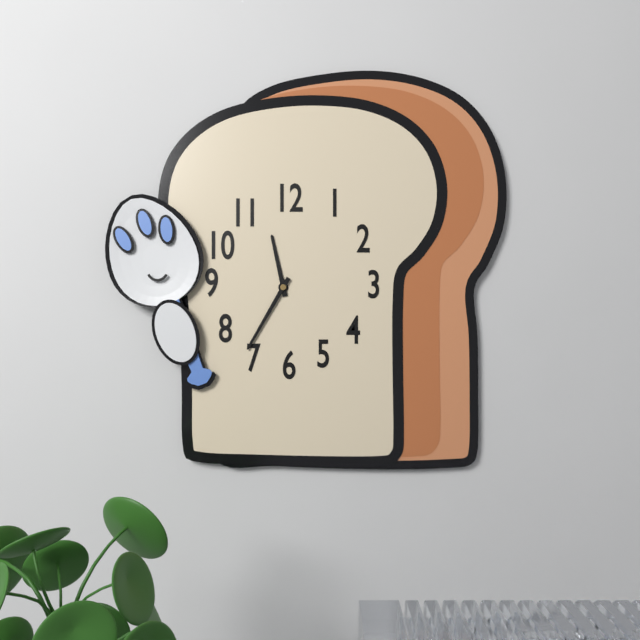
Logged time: {"hour": 11, "minute": 35}
